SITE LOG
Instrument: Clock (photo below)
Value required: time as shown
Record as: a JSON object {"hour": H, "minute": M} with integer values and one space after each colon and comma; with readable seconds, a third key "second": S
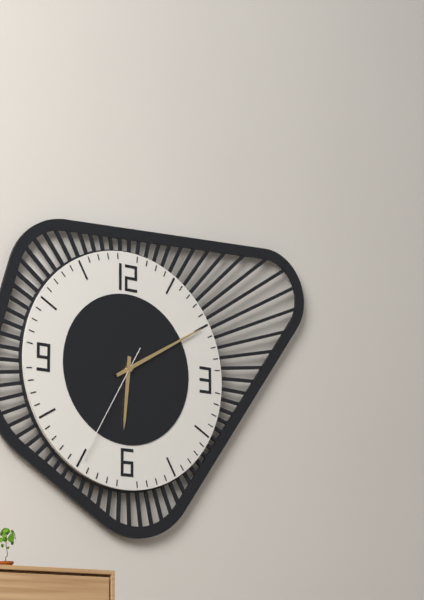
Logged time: {"hour": 6, "minute": 10, "second": 35}
